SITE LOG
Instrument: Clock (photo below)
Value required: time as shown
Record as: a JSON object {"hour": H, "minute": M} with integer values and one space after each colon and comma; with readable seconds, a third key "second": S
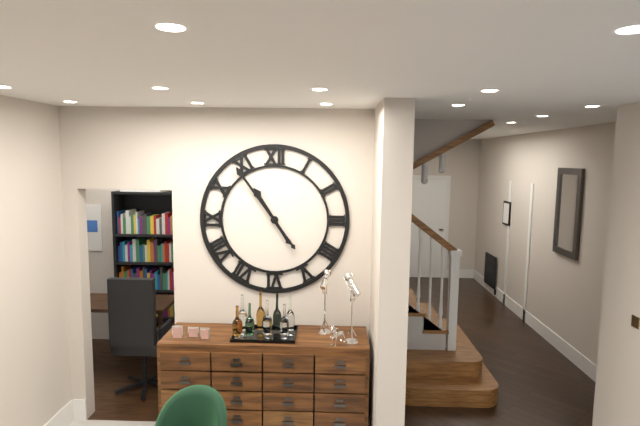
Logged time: {"hour": 10, "minute": 54}
